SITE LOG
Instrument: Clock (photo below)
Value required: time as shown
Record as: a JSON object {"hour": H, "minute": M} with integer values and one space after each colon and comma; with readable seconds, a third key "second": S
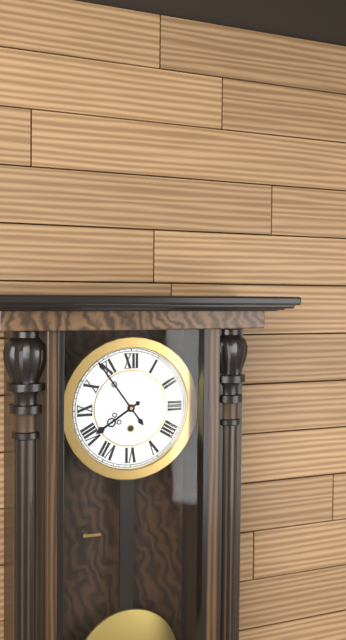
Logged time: {"hour": 7, "minute": 54}
